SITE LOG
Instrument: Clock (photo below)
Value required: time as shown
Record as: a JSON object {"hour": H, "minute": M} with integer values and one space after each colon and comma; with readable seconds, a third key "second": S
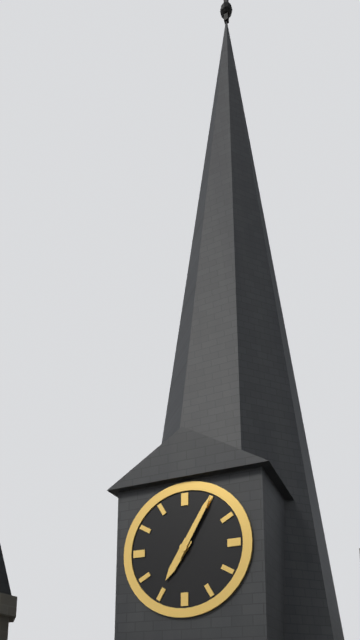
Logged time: {"hour": 7, "minute": 5}
